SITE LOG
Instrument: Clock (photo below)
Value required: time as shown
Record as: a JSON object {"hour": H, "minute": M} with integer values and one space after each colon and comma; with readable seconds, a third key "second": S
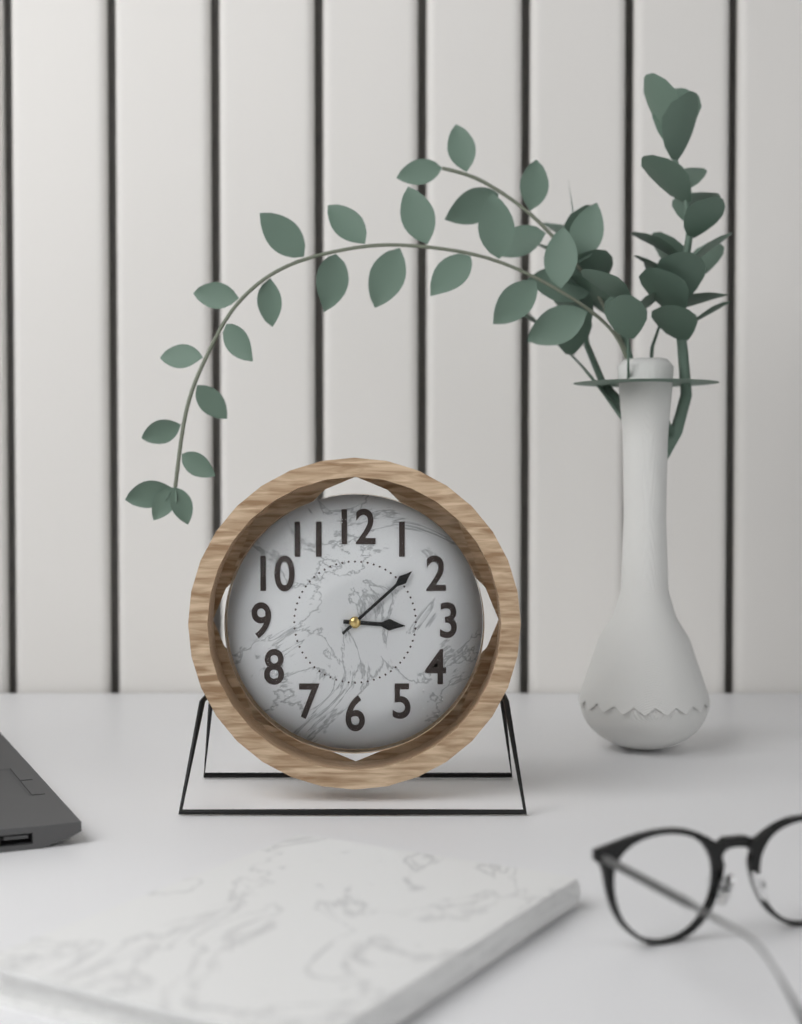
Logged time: {"hour": 3, "minute": 8}
